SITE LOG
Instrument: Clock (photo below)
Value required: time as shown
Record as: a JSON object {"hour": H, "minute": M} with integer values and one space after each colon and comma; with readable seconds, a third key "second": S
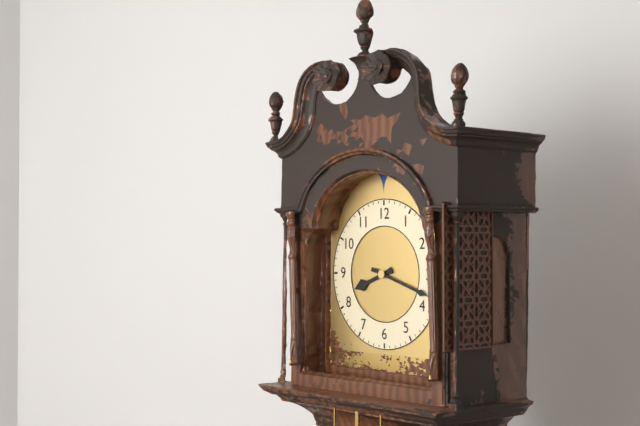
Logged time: {"hour": 8, "minute": 18}
